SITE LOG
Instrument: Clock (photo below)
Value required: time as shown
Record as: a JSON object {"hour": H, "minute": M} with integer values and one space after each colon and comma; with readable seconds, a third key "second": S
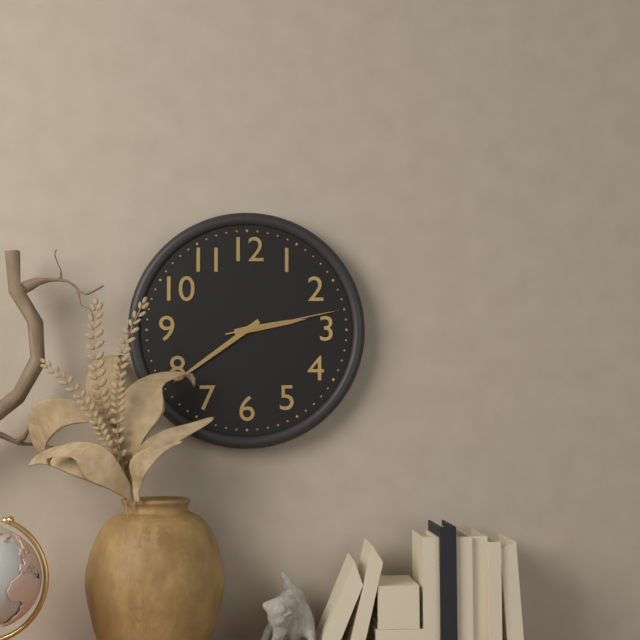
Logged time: {"hour": 2, "minute": 39, "second": 13}
